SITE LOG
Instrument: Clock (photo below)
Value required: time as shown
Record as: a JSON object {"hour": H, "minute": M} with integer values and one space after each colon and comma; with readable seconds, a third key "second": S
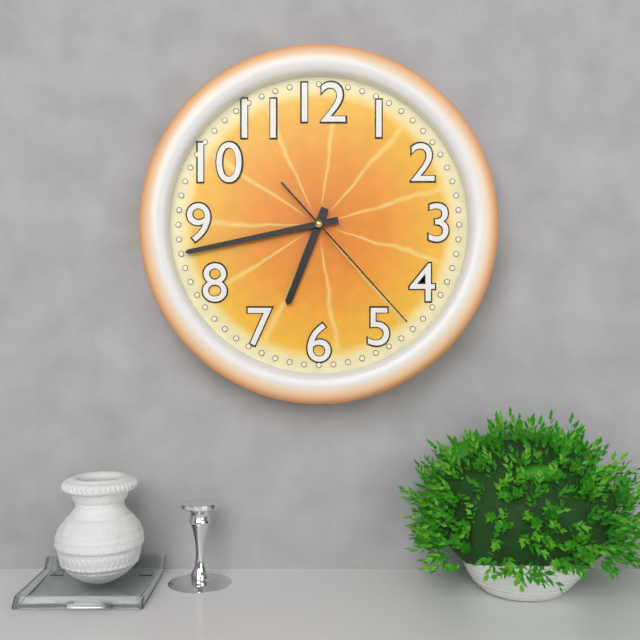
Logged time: {"hour": 6, "minute": 43, "second": 23}
